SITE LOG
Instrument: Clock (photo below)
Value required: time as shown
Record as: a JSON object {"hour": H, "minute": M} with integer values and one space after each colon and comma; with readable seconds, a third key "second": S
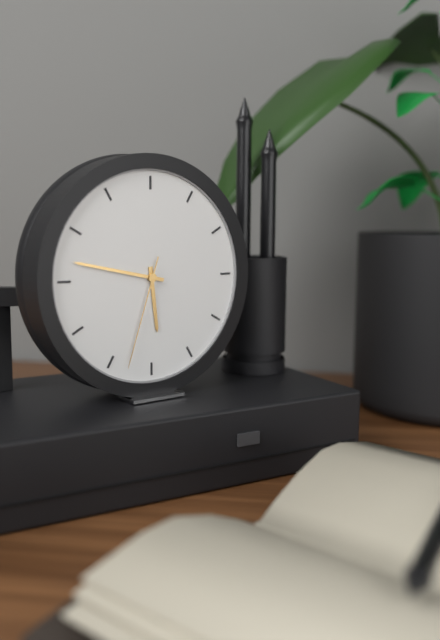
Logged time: {"hour": 5, "minute": 47, "second": 33}
